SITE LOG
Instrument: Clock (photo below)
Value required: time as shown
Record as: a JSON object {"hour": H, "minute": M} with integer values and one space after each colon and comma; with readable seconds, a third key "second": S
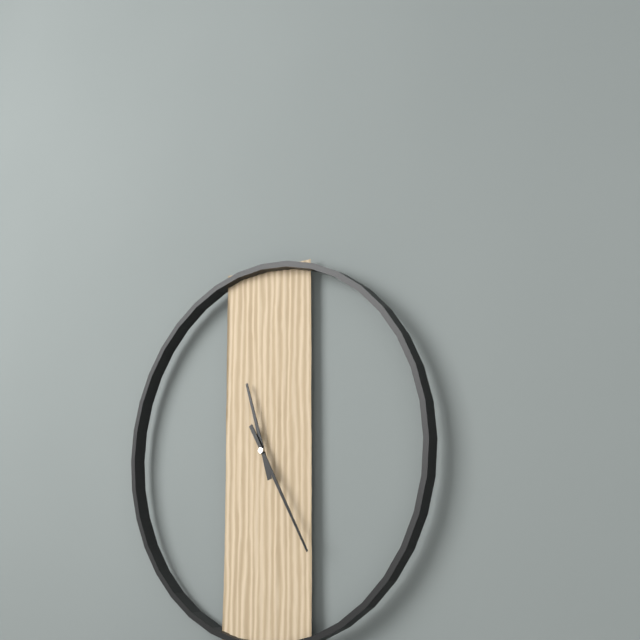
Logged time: {"hour": 11, "minute": 25}
